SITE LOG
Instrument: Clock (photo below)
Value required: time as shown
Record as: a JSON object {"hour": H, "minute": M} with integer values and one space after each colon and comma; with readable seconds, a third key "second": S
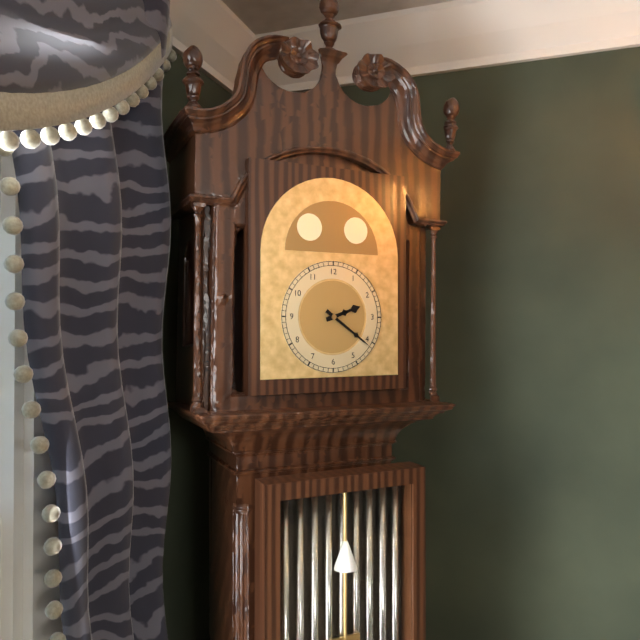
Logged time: {"hour": 2, "minute": 21}
